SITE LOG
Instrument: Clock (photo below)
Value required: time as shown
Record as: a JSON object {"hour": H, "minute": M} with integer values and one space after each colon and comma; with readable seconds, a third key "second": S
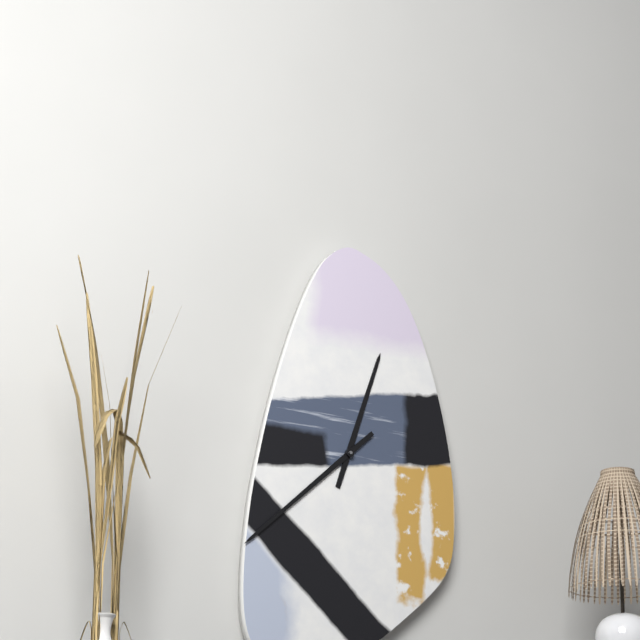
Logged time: {"hour": 12, "minute": 38}
